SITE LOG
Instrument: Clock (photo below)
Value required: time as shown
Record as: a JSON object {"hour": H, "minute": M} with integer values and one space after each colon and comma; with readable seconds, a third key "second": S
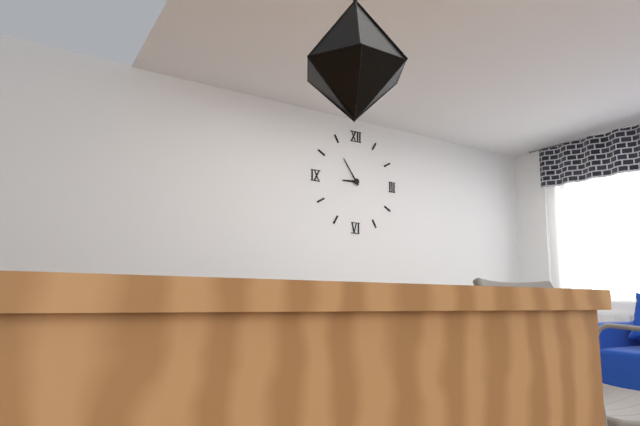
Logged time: {"hour": 8, "minute": 54}
